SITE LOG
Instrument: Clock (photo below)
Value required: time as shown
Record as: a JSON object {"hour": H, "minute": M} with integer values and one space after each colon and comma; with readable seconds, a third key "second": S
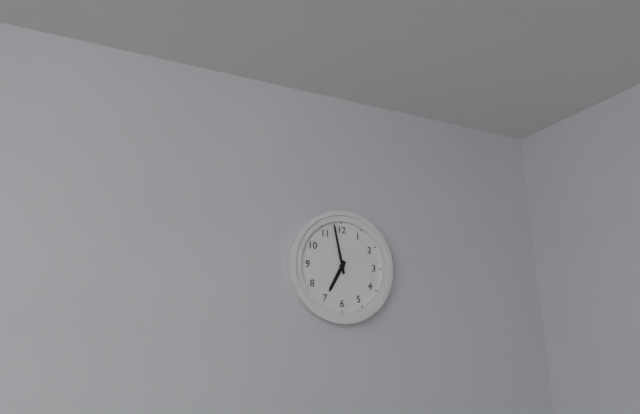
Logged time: {"hour": 6, "minute": 58}
